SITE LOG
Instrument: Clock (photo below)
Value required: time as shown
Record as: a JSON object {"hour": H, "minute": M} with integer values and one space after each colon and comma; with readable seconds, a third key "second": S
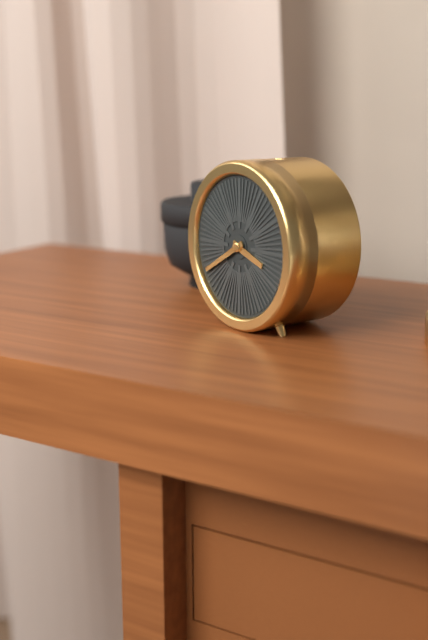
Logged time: {"hour": 3, "minute": 40}
